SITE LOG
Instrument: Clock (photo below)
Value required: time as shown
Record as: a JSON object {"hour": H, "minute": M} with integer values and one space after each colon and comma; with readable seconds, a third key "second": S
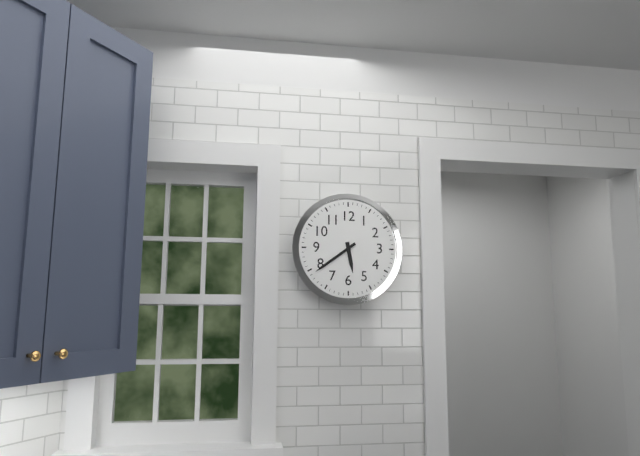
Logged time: {"hour": 5, "minute": 39}
